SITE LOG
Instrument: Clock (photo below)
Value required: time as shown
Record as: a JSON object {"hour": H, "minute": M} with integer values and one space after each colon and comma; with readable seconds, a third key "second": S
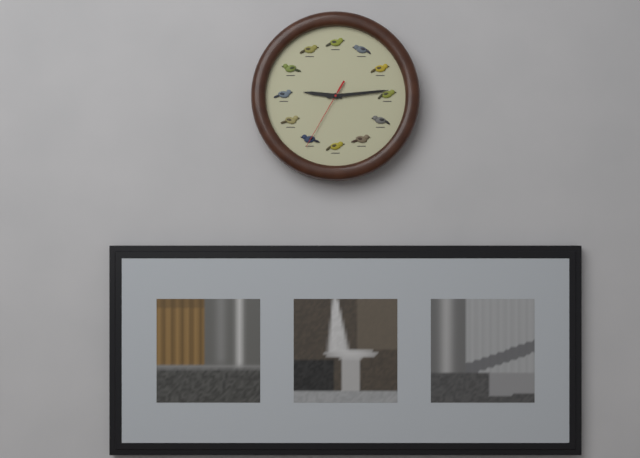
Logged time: {"hour": 9, "minute": 14, "second": 35}
